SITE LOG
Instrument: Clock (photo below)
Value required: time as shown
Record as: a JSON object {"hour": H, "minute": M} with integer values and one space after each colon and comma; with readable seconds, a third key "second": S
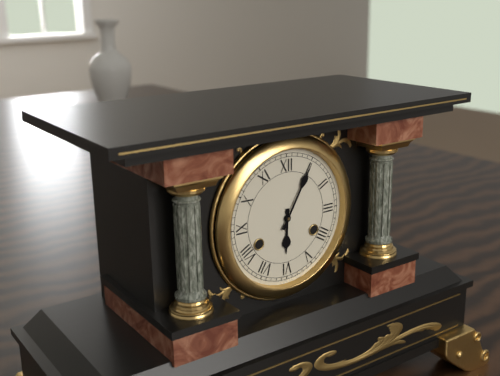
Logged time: {"hour": 6, "minute": 5}
